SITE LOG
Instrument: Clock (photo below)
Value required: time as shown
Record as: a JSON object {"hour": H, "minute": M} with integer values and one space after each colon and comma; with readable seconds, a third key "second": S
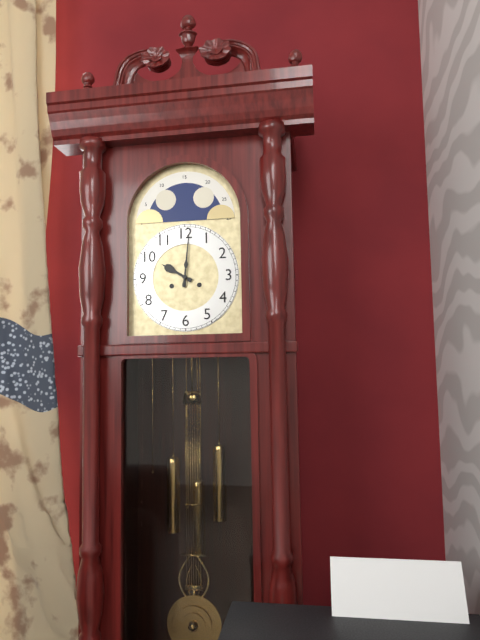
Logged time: {"hour": 10, "minute": 1}
